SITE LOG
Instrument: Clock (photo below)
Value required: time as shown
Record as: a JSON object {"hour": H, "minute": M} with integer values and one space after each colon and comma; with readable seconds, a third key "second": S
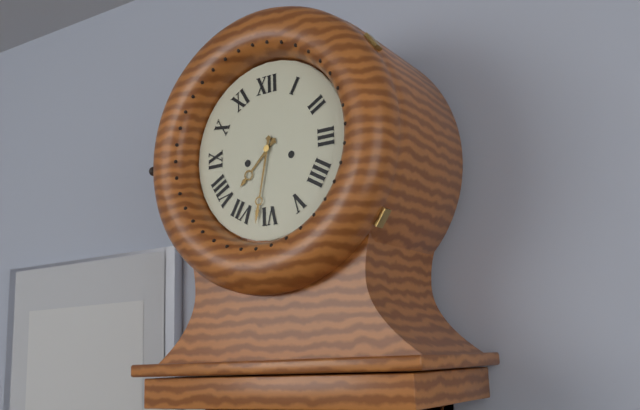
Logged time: {"hour": 7, "minute": 32}
